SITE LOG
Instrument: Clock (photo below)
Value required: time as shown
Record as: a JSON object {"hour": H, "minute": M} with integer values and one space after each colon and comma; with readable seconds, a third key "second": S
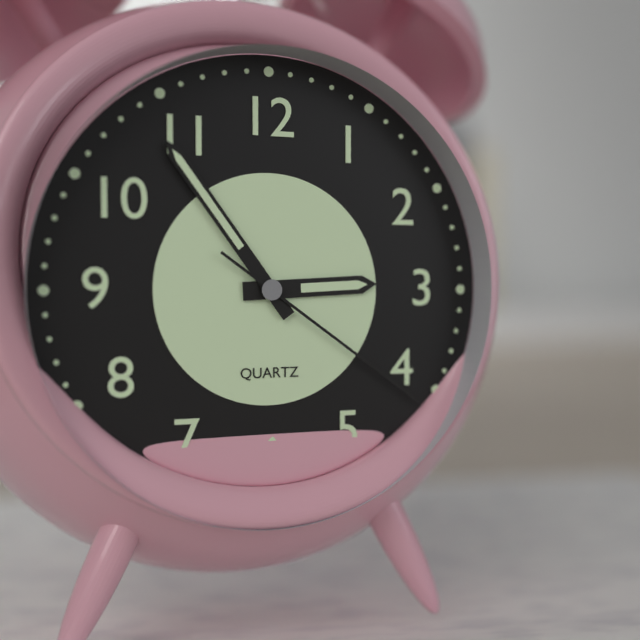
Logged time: {"hour": 2, "minute": 54, "second": 21}
